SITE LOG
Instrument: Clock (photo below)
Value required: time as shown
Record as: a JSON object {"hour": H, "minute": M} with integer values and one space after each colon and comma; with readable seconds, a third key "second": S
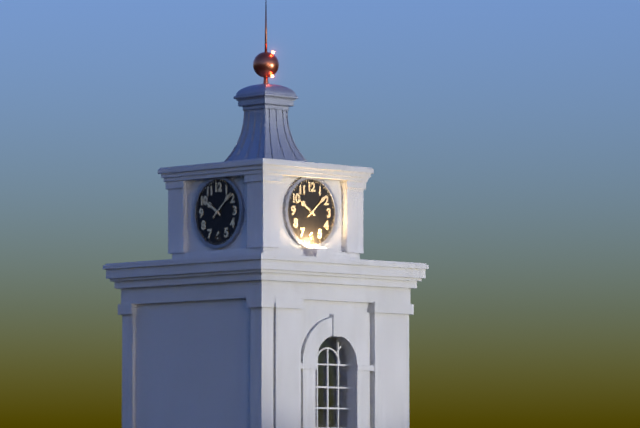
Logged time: {"hour": 10, "minute": 8}
